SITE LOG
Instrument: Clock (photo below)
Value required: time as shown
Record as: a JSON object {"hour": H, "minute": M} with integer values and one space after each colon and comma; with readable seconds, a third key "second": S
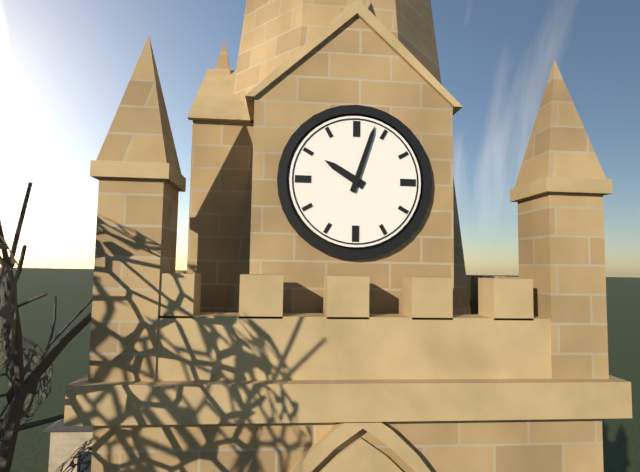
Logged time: {"hour": 10, "minute": 3}
